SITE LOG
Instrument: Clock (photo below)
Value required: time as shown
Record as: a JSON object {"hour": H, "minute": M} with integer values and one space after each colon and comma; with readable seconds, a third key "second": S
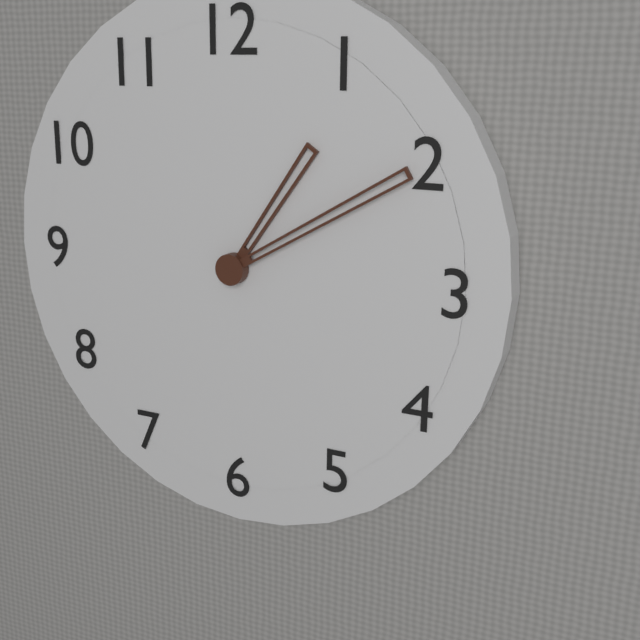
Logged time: {"hour": 1, "minute": 10}
